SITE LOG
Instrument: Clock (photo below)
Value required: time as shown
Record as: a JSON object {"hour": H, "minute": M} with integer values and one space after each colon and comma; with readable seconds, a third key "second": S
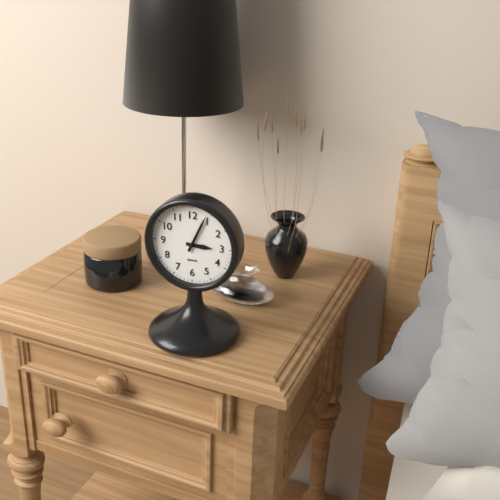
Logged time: {"hour": 3, "minute": 4}
